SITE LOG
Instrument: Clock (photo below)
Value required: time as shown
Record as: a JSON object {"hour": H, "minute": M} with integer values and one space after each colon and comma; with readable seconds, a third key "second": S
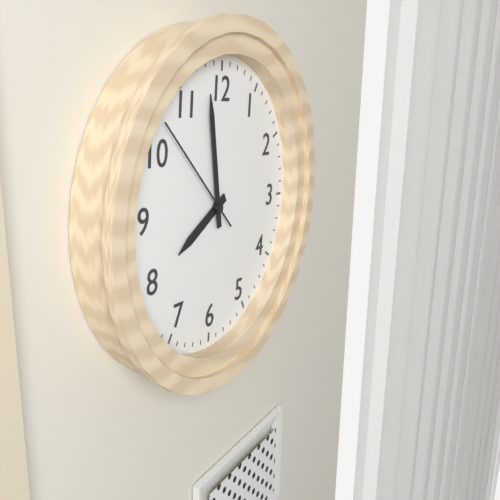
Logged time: {"hour": 7, "minute": 58, "second": 52}
